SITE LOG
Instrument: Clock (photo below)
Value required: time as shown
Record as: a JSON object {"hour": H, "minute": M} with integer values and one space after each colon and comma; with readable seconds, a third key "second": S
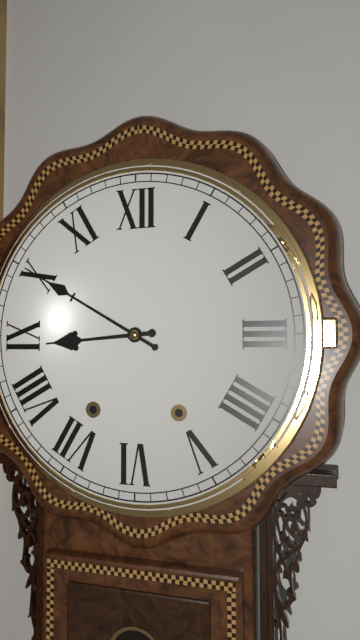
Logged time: {"hour": 8, "minute": 50}
